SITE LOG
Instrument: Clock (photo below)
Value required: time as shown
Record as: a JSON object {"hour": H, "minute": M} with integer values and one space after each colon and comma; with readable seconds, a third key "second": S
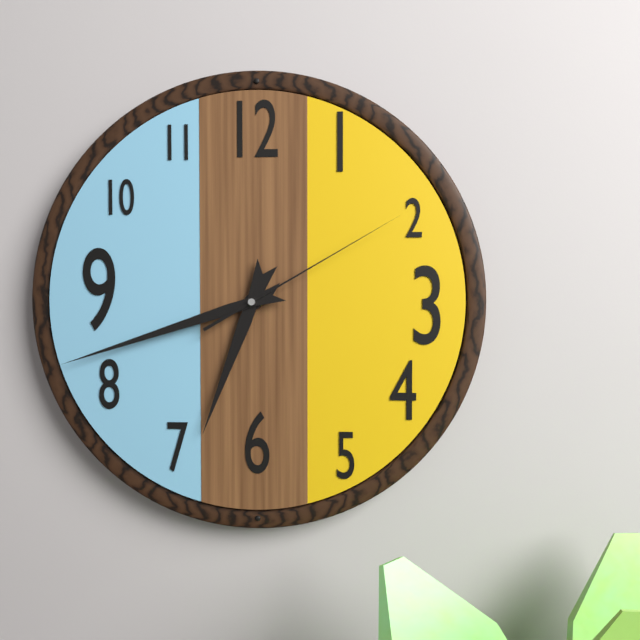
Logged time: {"hour": 6, "minute": 42, "second": 10}
